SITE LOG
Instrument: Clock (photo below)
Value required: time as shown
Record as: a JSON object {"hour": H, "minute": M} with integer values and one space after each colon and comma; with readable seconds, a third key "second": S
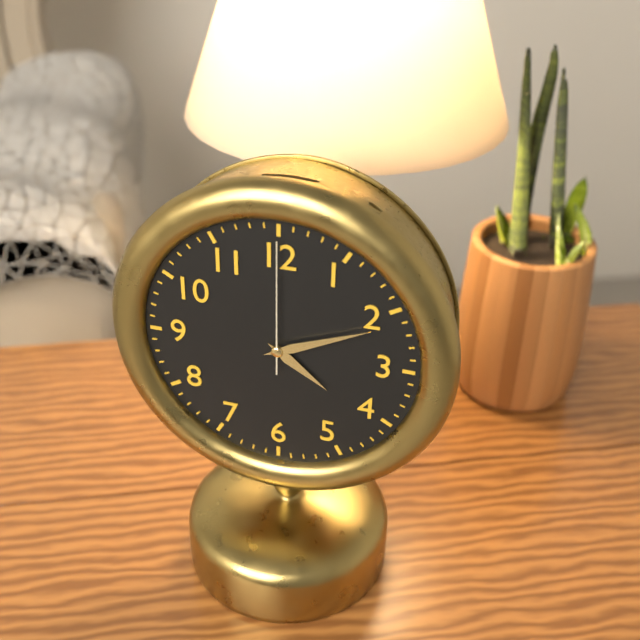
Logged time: {"hour": 4, "minute": 11, "second": 0}
